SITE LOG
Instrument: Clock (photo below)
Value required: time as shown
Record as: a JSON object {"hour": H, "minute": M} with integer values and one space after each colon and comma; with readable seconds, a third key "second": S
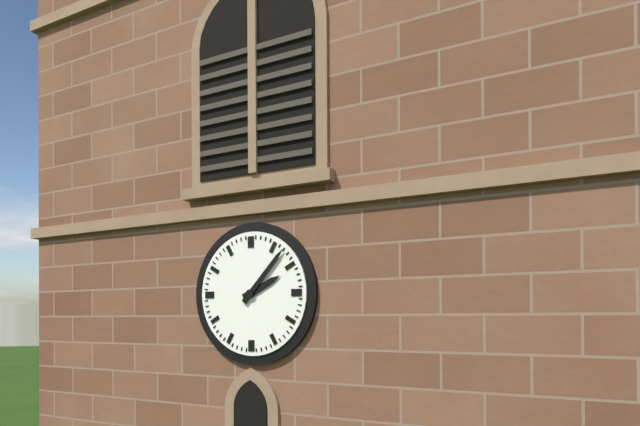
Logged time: {"hour": 2, "minute": 7}
